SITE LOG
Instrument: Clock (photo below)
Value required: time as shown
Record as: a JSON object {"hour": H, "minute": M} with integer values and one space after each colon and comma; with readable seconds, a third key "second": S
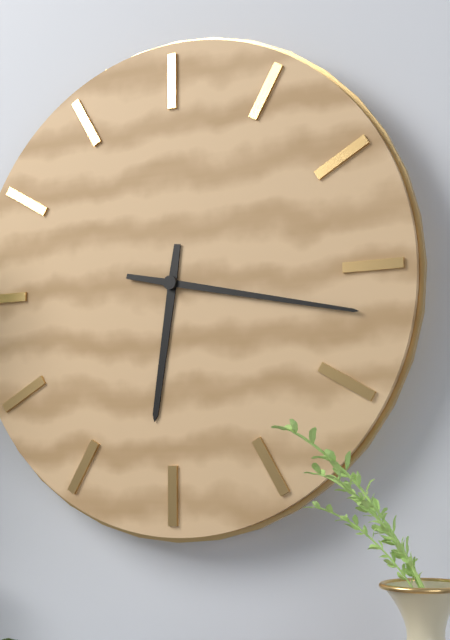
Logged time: {"hour": 6, "minute": 17}
